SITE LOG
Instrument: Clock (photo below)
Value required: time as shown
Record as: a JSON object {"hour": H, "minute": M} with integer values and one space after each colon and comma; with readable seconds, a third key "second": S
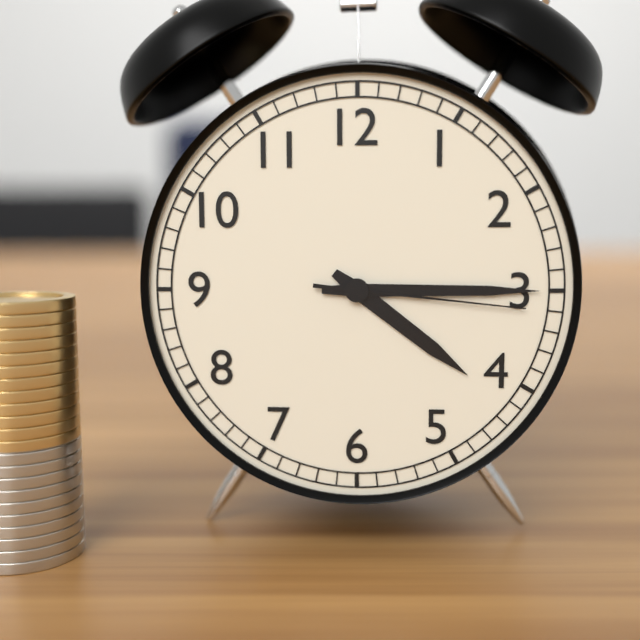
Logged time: {"hour": 4, "minute": 15, "second": 16}
